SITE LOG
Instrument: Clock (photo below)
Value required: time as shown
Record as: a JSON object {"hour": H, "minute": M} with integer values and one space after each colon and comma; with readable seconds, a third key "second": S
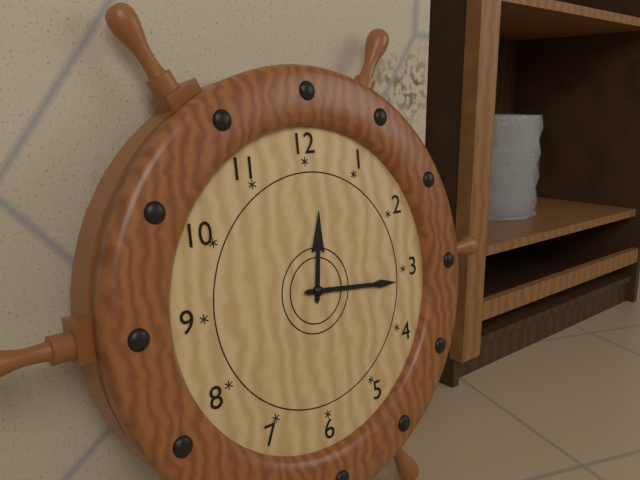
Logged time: {"hour": 12, "minute": 16}
